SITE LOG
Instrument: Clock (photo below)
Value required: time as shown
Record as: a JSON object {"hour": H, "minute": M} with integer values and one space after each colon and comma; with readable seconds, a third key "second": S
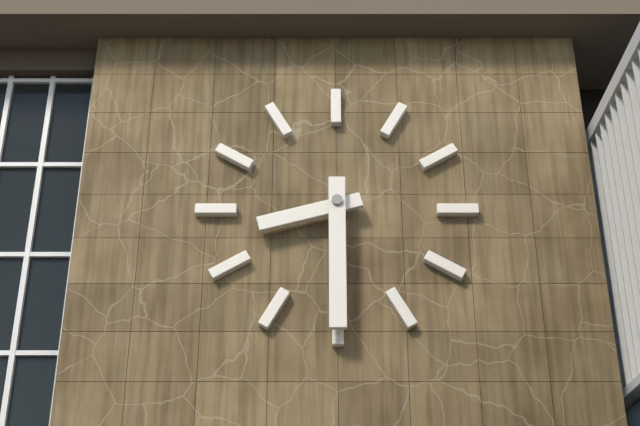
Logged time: {"hour": 8, "minute": 30}
